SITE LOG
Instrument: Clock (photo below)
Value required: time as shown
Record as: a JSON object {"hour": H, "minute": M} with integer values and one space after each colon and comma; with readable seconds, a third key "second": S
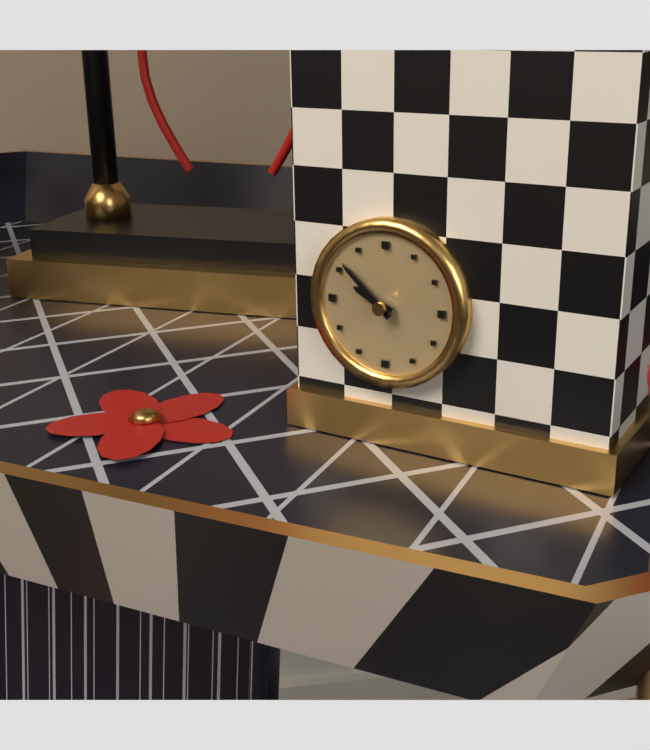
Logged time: {"hour": 9, "minute": 52}
